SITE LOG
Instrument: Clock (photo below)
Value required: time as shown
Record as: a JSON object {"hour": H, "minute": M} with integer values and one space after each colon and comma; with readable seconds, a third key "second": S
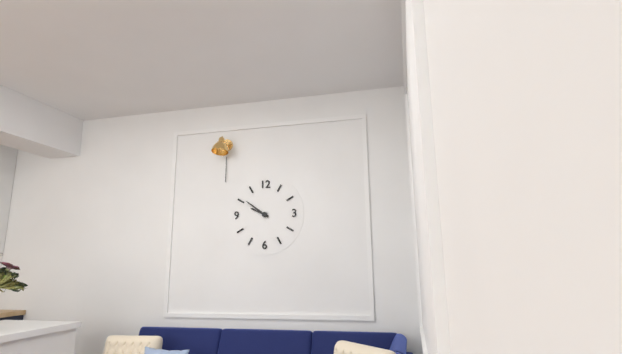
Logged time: {"hour": 9, "minute": 51}
